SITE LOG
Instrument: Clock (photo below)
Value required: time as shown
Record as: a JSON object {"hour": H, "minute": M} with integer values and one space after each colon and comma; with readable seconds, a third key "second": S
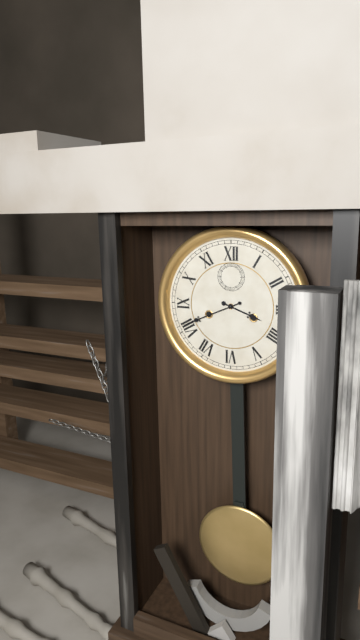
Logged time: {"hour": 3, "minute": 41}
